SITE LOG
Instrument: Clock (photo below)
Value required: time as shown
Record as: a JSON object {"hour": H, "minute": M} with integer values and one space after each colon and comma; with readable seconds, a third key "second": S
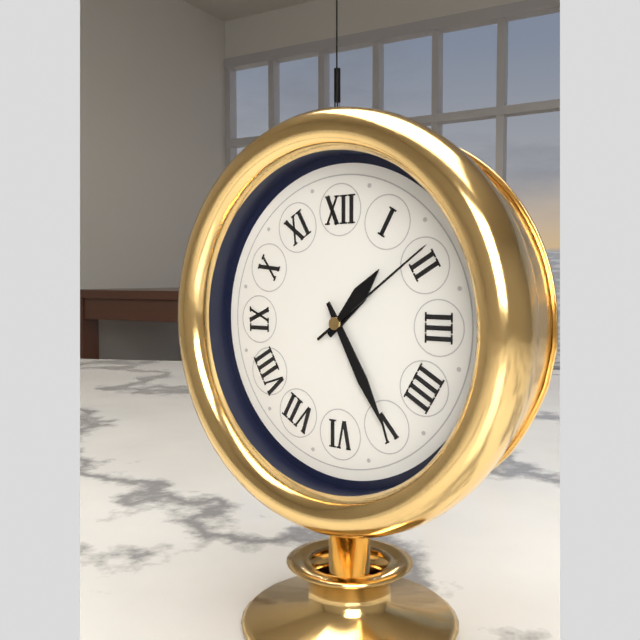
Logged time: {"hour": 1, "minute": 25, "second": 9}
